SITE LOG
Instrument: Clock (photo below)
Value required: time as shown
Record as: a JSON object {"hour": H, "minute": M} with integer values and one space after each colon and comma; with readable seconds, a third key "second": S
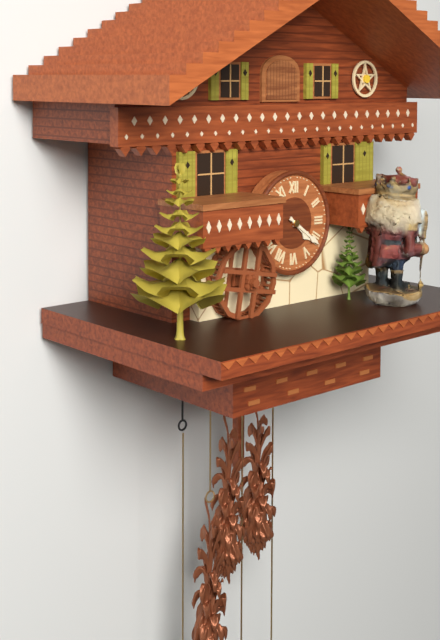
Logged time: {"hour": 4, "minute": 21}
